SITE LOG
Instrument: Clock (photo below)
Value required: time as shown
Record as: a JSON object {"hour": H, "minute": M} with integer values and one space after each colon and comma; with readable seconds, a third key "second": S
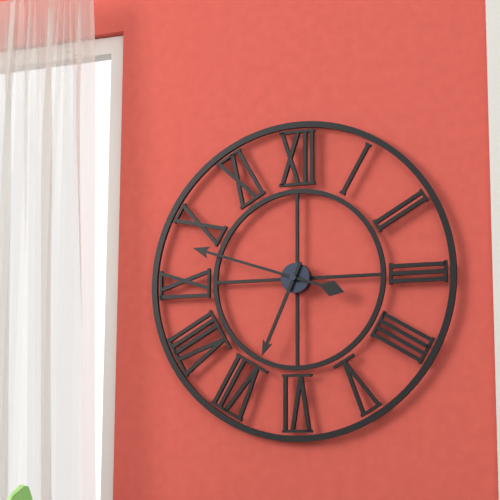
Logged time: {"hour": 6, "minute": 48}
